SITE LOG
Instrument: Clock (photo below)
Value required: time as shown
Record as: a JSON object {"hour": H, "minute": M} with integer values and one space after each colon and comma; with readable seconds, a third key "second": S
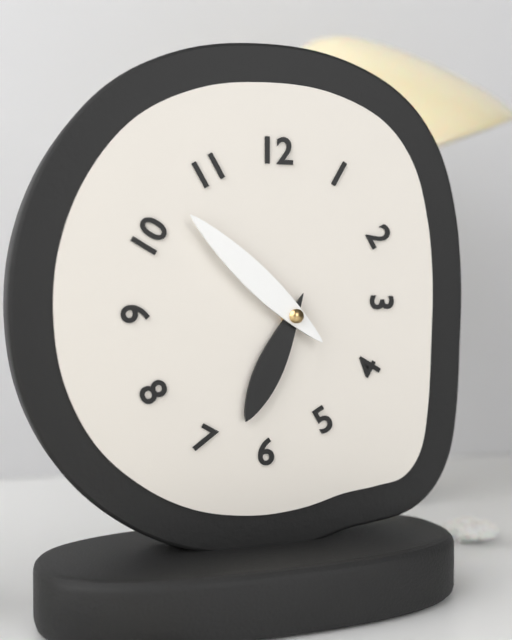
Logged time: {"hour": 6, "minute": 52}
